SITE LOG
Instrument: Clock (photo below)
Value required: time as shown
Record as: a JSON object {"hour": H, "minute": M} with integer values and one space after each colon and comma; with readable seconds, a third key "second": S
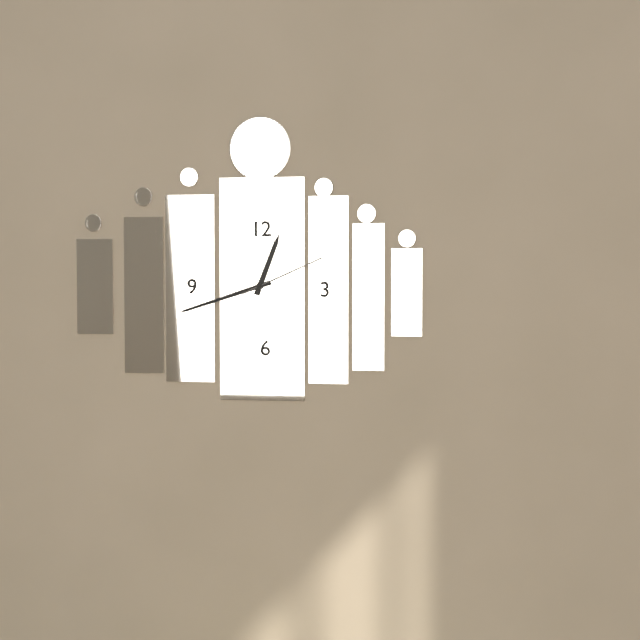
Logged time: {"hour": 12, "minute": 42, "second": 11}
